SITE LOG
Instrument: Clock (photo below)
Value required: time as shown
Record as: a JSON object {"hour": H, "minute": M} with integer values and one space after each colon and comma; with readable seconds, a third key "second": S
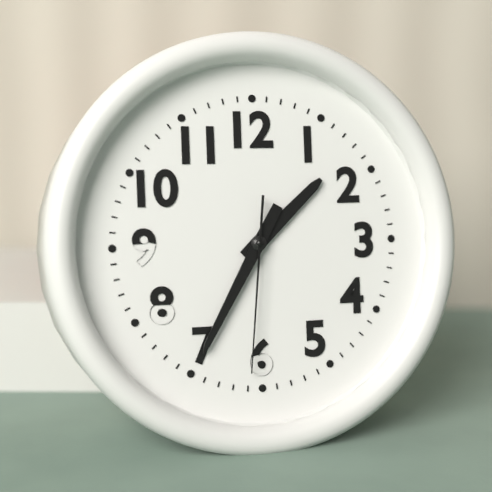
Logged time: {"hour": 1, "minute": 35, "second": 31}
